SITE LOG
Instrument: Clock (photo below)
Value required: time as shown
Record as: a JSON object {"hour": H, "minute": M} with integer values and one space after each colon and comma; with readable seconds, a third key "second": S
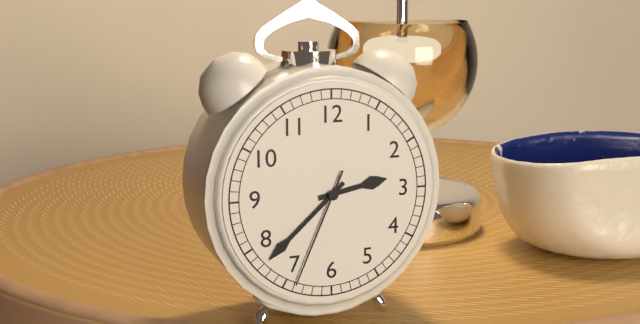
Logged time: {"hour": 2, "minute": 38, "second": 34}
